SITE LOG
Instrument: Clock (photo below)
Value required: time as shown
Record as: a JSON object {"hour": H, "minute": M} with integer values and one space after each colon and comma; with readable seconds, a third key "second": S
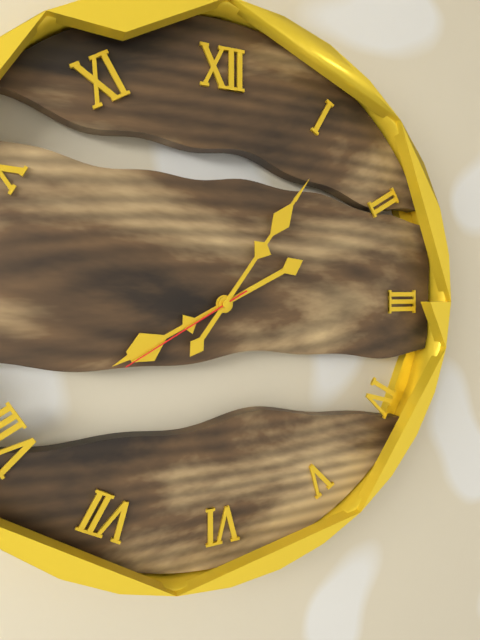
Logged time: {"hour": 8, "minute": 6, "second": 40}
